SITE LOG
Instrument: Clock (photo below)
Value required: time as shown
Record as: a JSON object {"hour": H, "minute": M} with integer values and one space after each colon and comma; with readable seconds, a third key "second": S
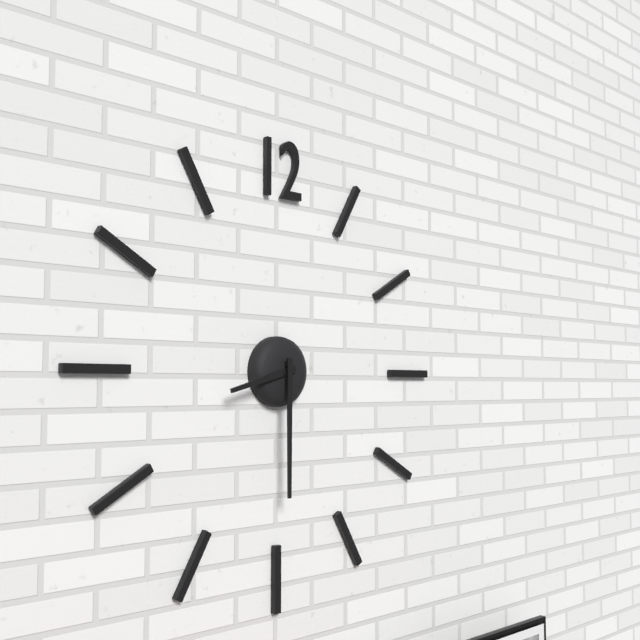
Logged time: {"hour": 8, "minute": 30}
